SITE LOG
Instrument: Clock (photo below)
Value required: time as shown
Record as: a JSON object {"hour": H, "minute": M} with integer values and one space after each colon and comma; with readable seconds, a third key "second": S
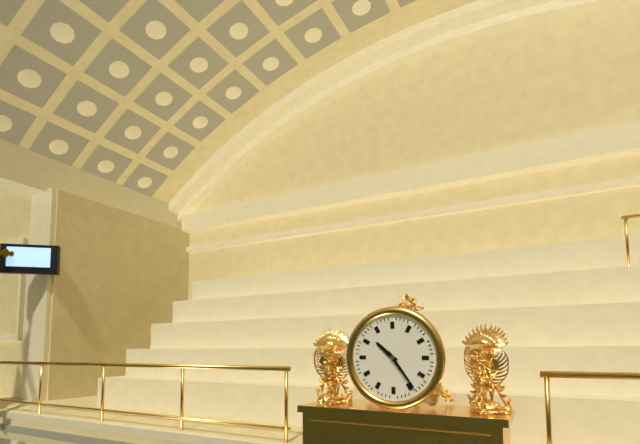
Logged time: {"hour": 10, "minute": 24}
